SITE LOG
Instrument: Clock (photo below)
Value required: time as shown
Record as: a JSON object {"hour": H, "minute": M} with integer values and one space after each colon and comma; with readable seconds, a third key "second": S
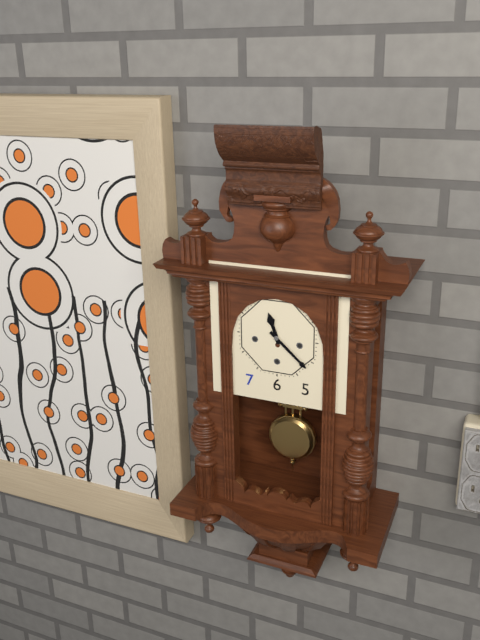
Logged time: {"hour": 11, "minute": 22}
